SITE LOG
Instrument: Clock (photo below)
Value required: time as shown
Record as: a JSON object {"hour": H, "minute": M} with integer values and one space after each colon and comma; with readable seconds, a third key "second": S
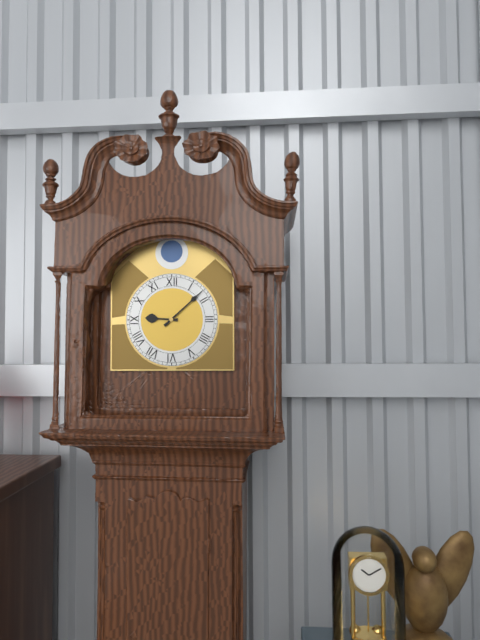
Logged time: {"hour": 9, "minute": 8}
